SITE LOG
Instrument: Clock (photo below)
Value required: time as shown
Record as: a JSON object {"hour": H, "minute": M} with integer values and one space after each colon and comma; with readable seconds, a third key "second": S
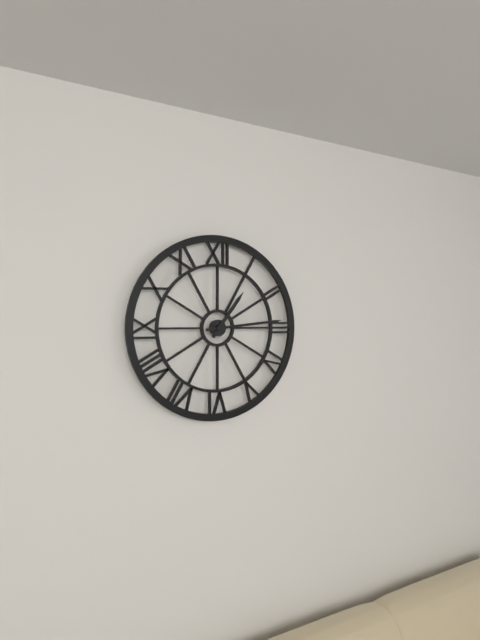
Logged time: {"hour": 1, "minute": 14}
